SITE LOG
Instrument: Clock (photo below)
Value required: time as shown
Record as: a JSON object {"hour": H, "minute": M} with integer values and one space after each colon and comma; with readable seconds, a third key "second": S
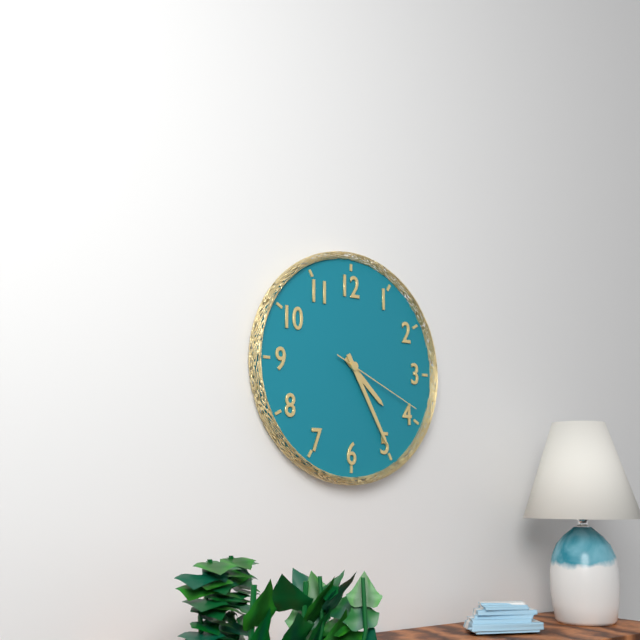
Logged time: {"hour": 4, "minute": 25, "second": 19}
